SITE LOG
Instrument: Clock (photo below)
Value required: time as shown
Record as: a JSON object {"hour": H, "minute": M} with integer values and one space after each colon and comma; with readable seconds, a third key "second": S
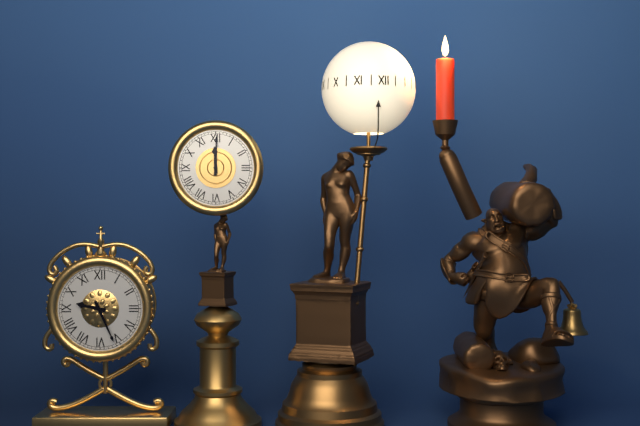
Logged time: {"hour": 9, "minute": 26}
